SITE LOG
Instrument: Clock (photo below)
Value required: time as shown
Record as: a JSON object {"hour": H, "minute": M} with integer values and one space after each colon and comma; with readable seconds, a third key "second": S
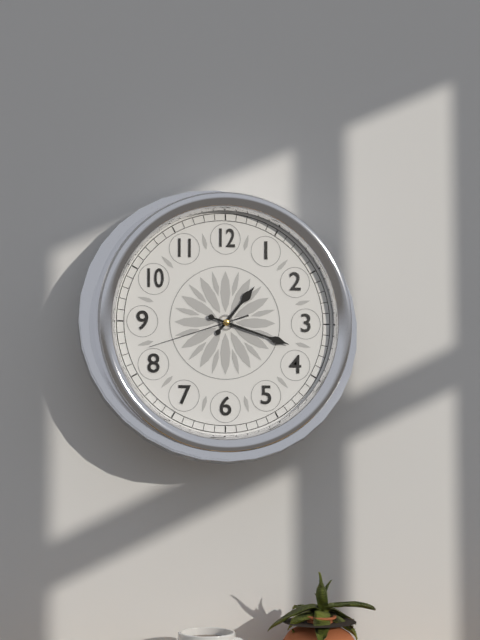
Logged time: {"hour": 1, "minute": 18, "second": 42}
